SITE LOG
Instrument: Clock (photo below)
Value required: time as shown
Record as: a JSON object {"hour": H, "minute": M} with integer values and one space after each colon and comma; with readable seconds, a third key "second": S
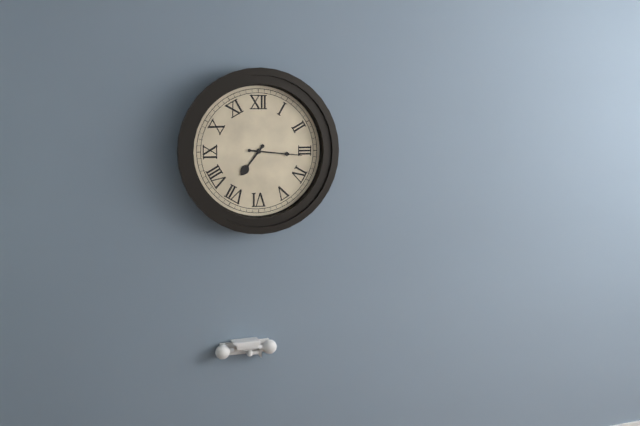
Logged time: {"hour": 7, "minute": 16}
